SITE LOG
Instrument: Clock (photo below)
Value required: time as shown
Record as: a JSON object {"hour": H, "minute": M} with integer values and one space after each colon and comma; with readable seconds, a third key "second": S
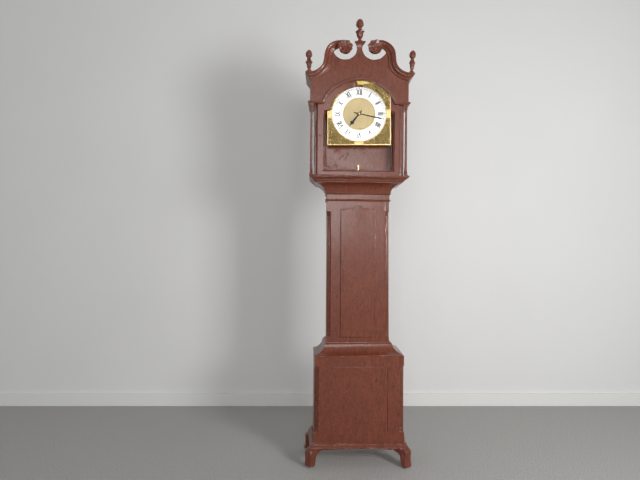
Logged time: {"hour": 7, "minute": 17}
